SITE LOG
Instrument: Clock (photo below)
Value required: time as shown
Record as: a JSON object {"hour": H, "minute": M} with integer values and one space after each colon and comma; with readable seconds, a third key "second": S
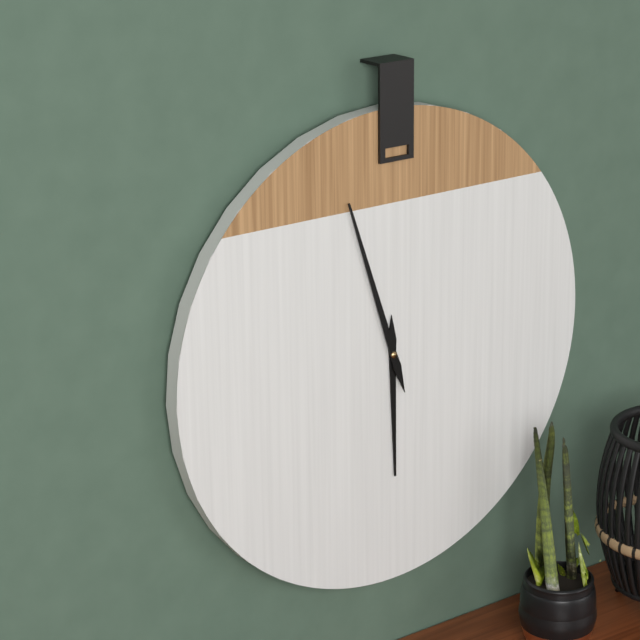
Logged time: {"hour": 5, "minute": 57}
